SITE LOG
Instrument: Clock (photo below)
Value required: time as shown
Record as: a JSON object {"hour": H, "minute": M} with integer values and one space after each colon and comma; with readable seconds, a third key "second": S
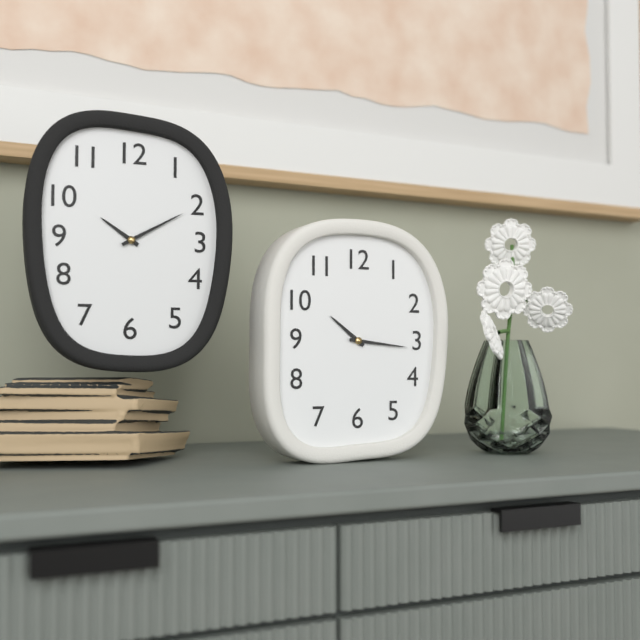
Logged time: {"hour": 10, "minute": 16}
